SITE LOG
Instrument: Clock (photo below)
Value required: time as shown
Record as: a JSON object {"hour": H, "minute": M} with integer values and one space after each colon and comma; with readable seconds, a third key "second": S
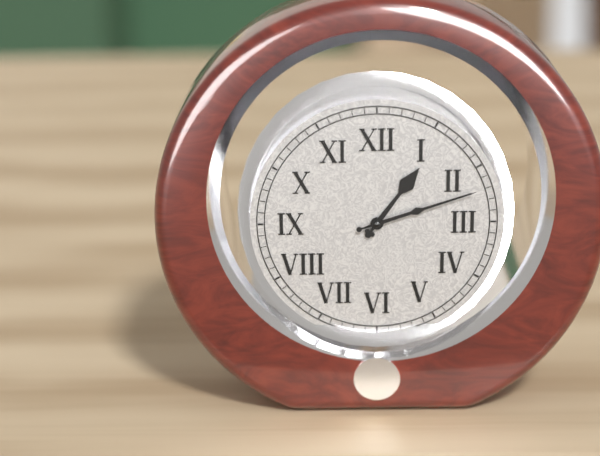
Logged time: {"hour": 1, "minute": 12}
